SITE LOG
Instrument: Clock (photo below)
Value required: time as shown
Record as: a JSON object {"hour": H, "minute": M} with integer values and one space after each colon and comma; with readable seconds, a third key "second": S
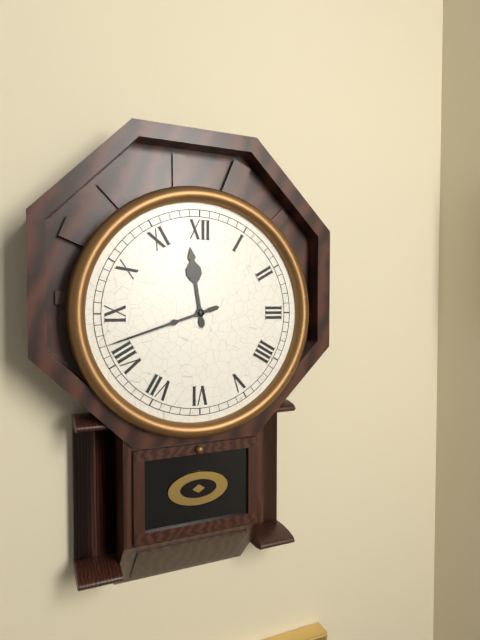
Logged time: {"hour": 11, "minute": 42}
